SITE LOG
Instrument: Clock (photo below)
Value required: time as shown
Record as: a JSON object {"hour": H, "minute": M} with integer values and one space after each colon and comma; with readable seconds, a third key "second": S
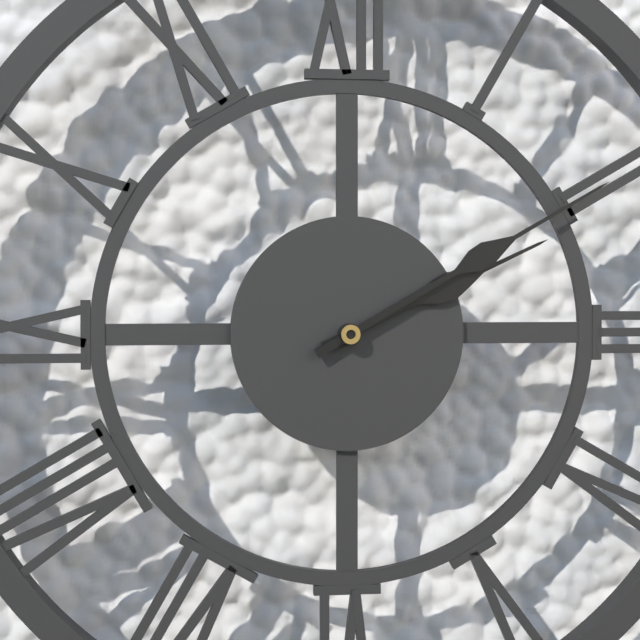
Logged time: {"hour": 2, "minute": 10}
